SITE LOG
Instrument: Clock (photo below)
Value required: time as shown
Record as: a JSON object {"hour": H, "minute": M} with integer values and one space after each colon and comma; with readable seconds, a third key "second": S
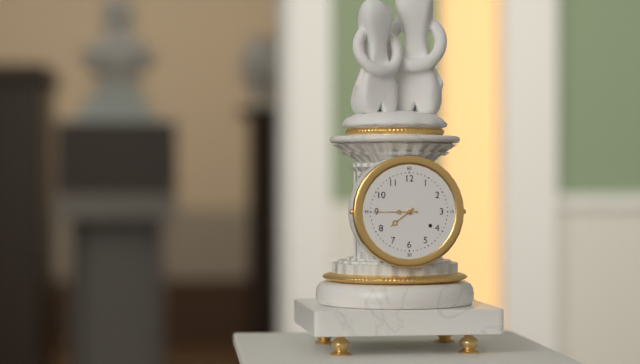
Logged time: {"hour": 7, "minute": 45}
